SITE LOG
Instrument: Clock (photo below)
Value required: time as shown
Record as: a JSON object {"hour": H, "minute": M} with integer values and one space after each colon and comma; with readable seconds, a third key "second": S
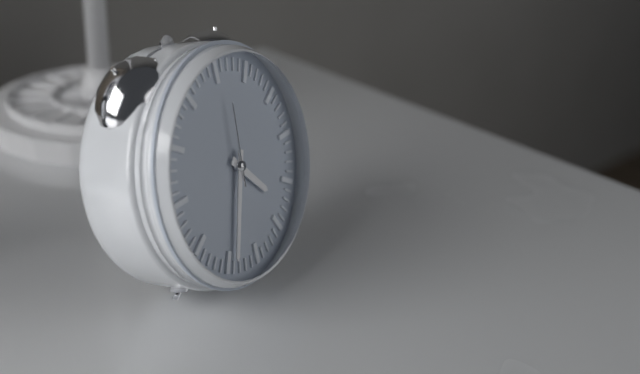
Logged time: {"hour": 4, "minute": 34, "second": 1}
